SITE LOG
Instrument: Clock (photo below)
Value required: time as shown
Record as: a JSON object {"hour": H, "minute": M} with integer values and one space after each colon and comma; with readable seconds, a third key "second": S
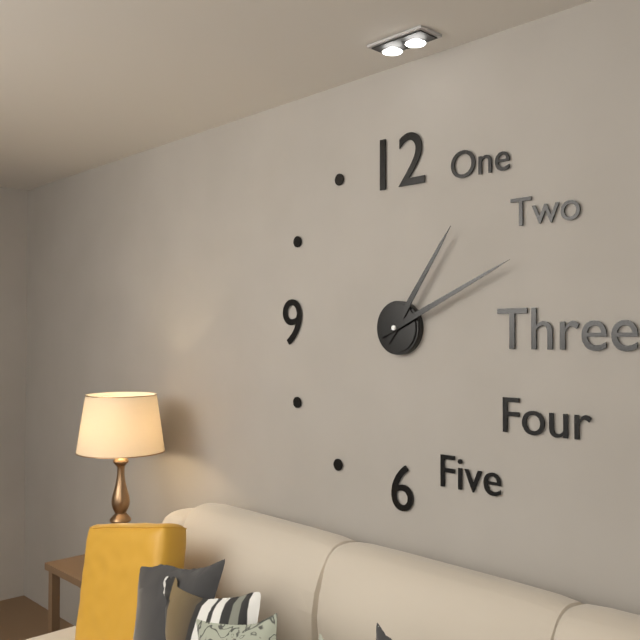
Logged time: {"hour": 1, "minute": 11}
